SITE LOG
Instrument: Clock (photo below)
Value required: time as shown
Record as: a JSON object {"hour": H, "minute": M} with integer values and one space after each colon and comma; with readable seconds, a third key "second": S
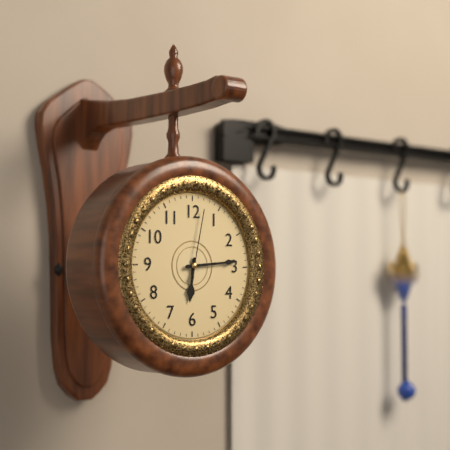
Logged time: {"hour": 6, "minute": 14, "second": 2}
